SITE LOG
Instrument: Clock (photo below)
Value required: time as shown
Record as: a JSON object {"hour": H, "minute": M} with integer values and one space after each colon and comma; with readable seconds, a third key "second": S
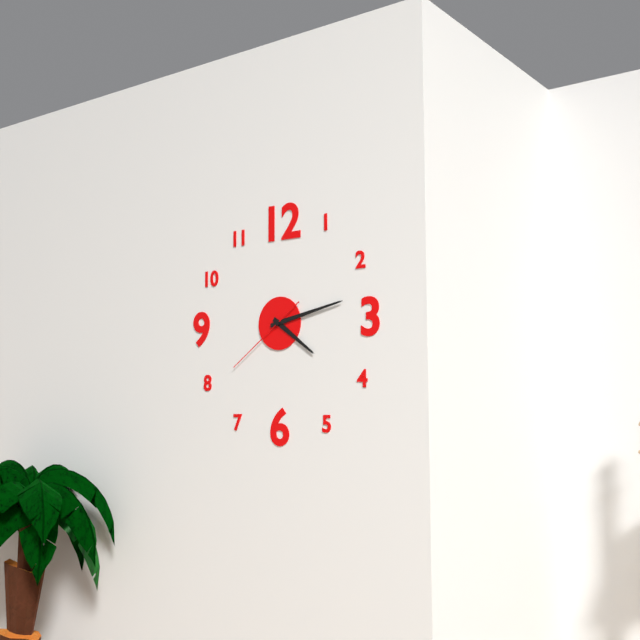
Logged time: {"hour": 4, "minute": 13, "second": 39}
